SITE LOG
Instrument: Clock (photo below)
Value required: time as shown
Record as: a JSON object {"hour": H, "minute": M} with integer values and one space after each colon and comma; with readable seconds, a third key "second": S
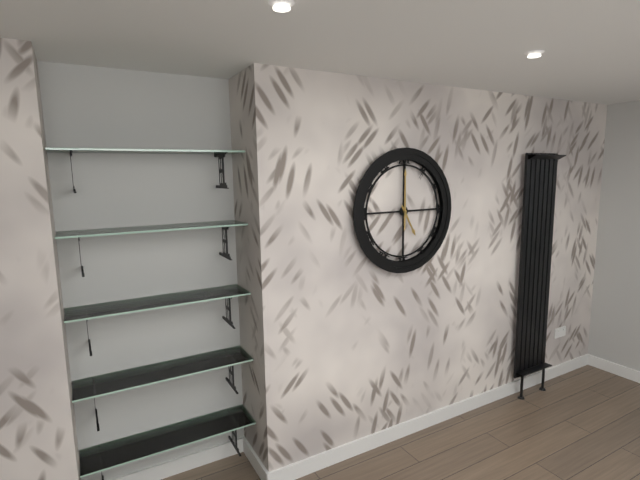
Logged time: {"hour": 5, "minute": 0}
